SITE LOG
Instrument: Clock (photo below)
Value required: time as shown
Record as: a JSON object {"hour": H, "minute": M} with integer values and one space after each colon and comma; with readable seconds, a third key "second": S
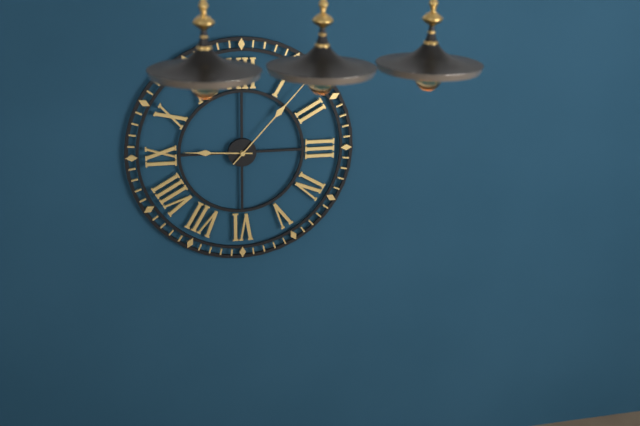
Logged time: {"hour": 9, "minute": 7}
